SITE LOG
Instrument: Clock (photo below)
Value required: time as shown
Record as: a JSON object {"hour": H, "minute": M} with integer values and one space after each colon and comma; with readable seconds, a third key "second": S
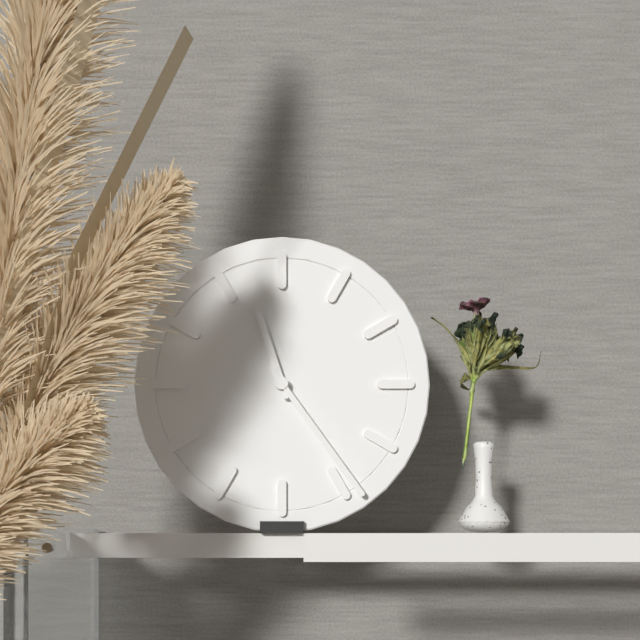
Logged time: {"hour": 11, "minute": 24}
